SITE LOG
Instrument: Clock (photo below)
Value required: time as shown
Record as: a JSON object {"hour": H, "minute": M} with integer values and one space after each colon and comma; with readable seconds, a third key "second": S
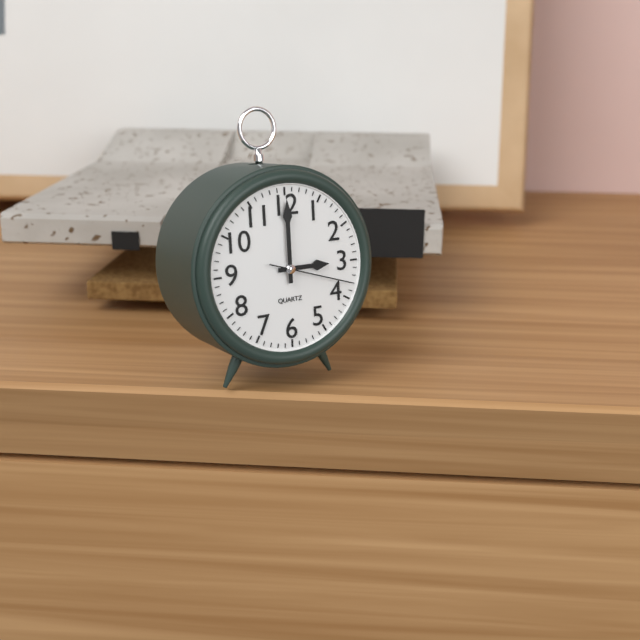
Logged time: {"hour": 3, "minute": 0, "second": 18}
